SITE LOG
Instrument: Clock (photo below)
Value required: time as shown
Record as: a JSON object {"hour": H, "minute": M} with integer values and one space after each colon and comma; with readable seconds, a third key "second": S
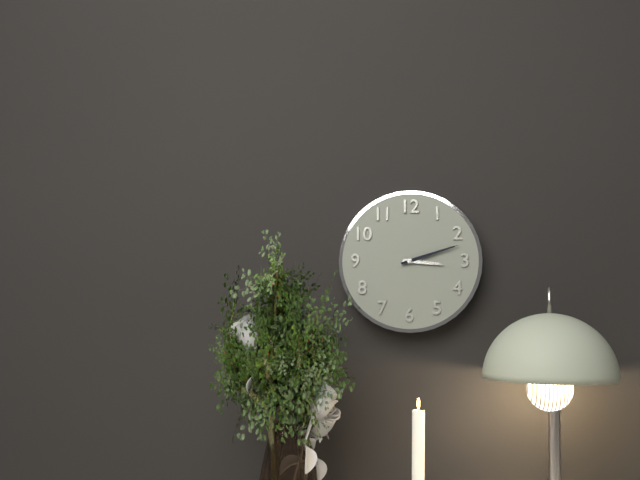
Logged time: {"hour": 3, "minute": 12}
